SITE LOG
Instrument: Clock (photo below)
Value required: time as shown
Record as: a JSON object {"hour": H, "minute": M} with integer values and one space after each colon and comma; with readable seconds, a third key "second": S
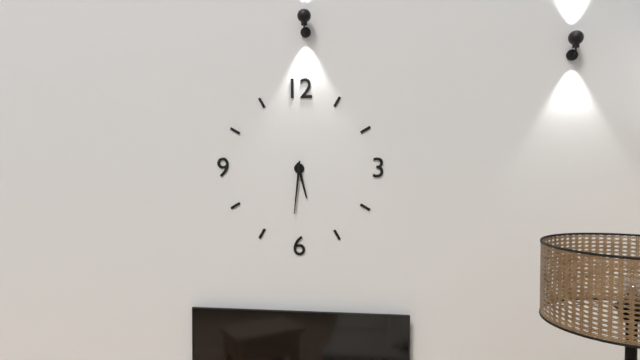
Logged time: {"hour": 5, "minute": 31}
